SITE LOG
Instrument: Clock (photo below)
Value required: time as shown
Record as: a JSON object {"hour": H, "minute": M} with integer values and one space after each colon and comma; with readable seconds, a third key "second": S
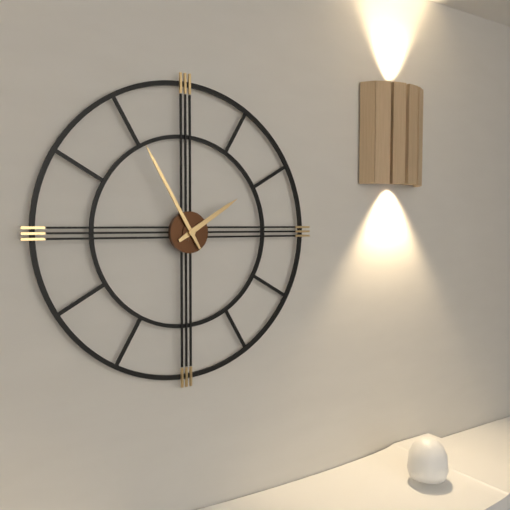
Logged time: {"hour": 1, "minute": 55}
